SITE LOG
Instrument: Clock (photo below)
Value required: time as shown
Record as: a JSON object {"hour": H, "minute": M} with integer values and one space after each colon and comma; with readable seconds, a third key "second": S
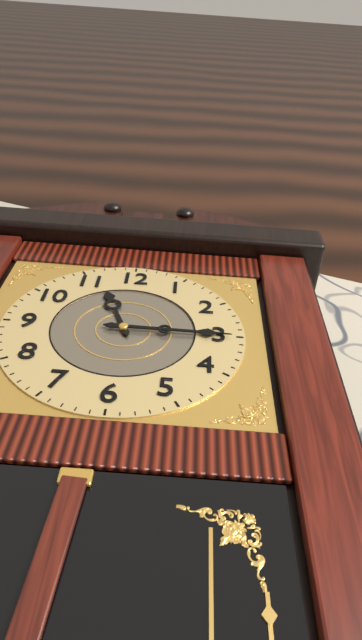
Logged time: {"hour": 11, "minute": 15}
